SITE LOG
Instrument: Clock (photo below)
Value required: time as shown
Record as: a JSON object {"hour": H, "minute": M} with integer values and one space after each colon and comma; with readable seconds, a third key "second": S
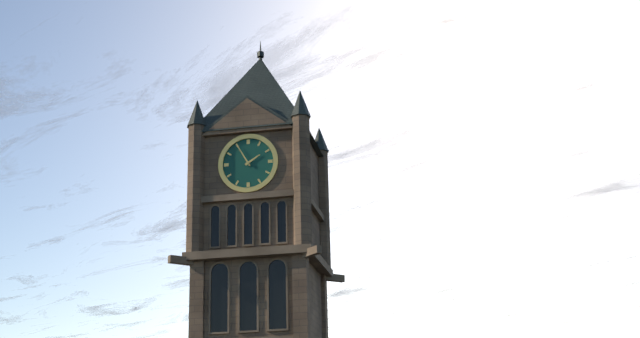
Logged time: {"hour": 1, "minute": 55}
